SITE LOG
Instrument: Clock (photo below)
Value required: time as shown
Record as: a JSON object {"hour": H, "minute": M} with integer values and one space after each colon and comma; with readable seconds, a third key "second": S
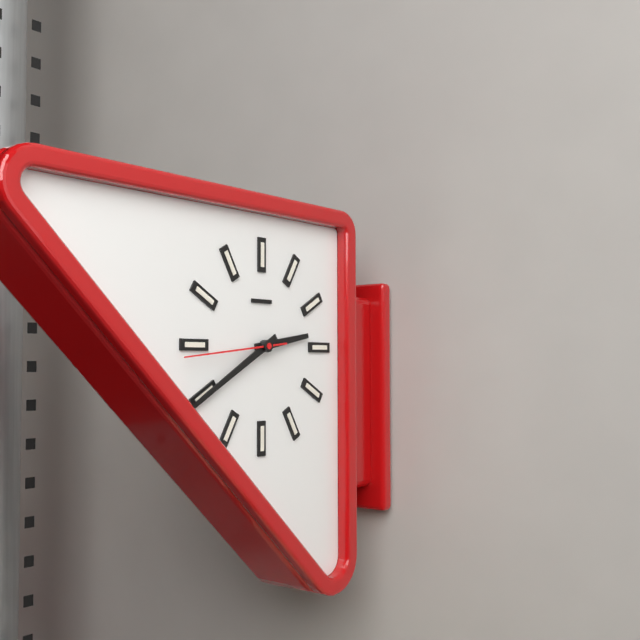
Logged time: {"hour": 2, "minute": 40, "second": 44}
